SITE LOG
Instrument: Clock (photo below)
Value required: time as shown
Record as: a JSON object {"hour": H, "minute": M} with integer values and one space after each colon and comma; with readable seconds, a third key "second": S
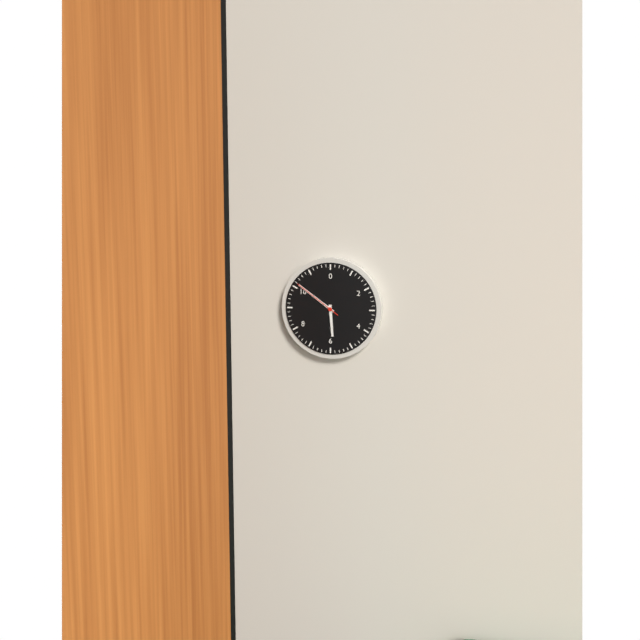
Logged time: {"hour": 5, "minute": 51, "second": 51}
